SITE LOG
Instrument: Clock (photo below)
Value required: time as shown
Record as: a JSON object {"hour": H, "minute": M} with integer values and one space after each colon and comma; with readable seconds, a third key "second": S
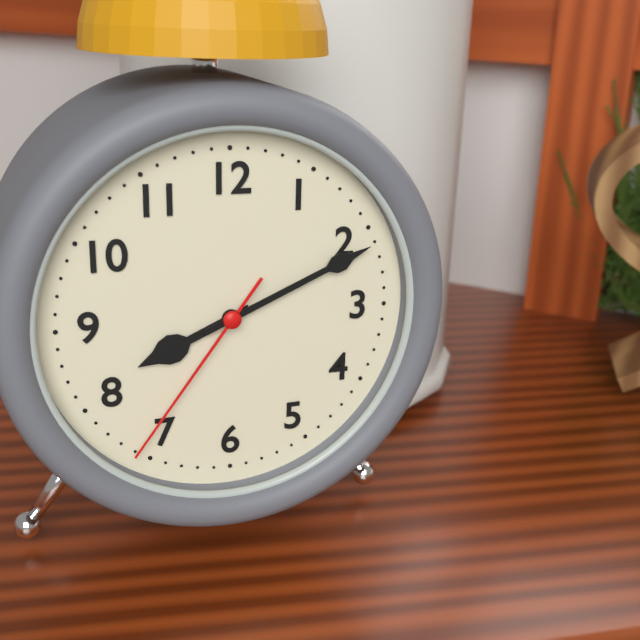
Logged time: {"hour": 8, "minute": 11, "second": 36}
